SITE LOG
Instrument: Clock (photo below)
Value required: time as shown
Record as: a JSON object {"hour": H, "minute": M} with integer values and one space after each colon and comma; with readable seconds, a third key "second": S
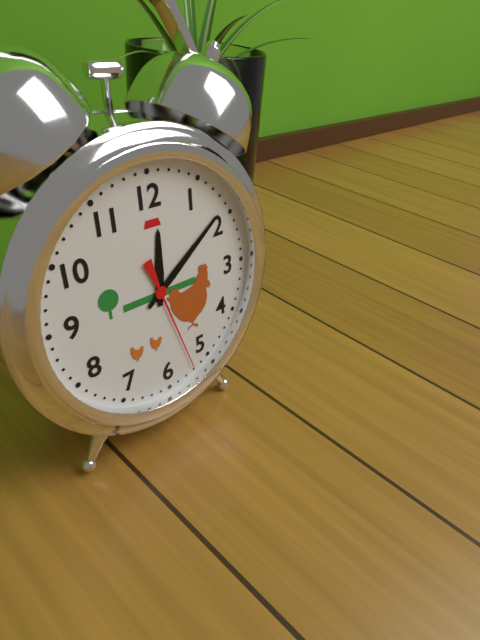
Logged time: {"hour": 12, "minute": 9, "second": 27}
